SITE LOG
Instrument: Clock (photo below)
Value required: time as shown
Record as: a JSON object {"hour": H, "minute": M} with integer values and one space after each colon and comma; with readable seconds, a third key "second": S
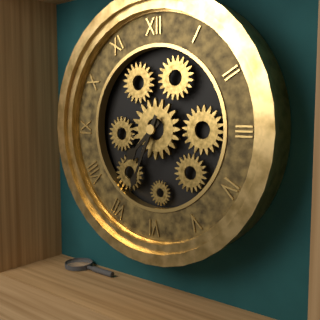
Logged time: {"hour": 7, "minute": 34}
